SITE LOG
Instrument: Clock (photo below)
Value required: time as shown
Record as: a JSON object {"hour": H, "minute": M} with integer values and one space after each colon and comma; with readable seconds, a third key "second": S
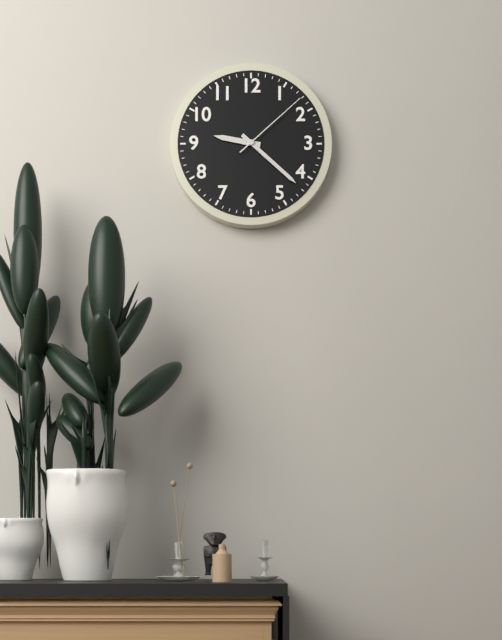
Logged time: {"hour": 9, "minute": 22, "second": 8}
